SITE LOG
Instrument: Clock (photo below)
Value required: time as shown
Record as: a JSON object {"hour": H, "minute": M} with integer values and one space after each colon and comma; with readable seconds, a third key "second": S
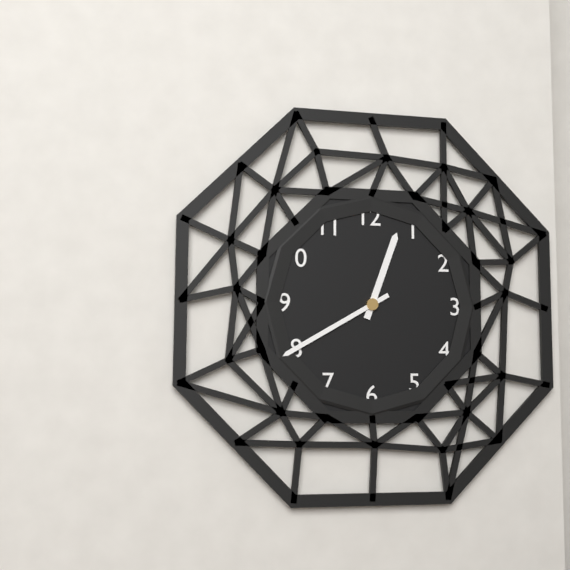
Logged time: {"hour": 12, "minute": 40}
